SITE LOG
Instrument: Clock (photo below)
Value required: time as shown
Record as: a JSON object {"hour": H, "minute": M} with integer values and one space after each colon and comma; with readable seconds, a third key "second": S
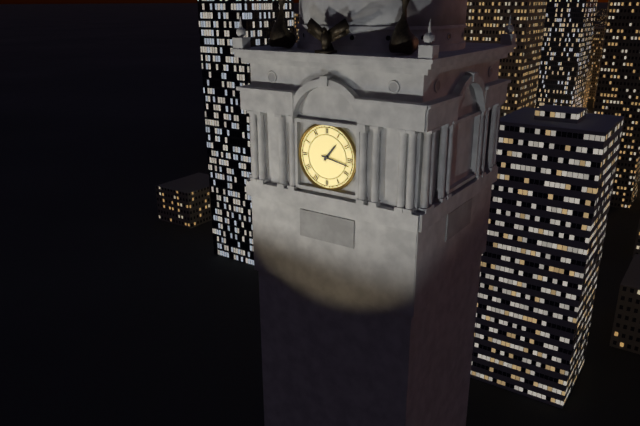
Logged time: {"hour": 1, "minute": 17}
